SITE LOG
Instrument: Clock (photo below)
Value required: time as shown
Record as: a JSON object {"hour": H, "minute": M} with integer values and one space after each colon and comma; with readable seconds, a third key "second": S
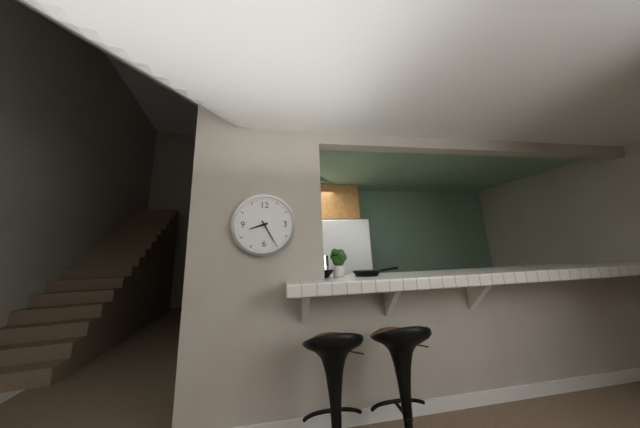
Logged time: {"hour": 8, "minute": 25}
